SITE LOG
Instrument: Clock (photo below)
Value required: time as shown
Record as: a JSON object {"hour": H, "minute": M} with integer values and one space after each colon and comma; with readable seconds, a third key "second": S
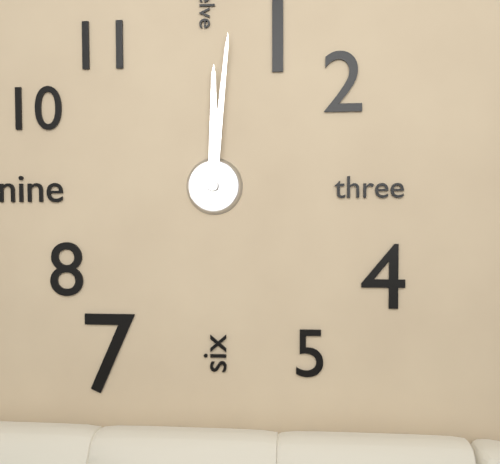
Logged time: {"hour": 12, "minute": 1}
